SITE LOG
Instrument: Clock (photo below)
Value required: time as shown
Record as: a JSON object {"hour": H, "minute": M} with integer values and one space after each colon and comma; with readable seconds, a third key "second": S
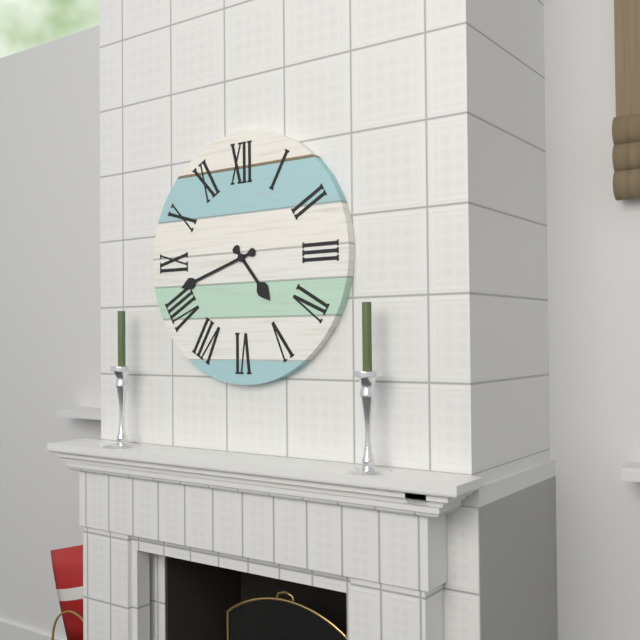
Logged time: {"hour": 4, "minute": 42}
